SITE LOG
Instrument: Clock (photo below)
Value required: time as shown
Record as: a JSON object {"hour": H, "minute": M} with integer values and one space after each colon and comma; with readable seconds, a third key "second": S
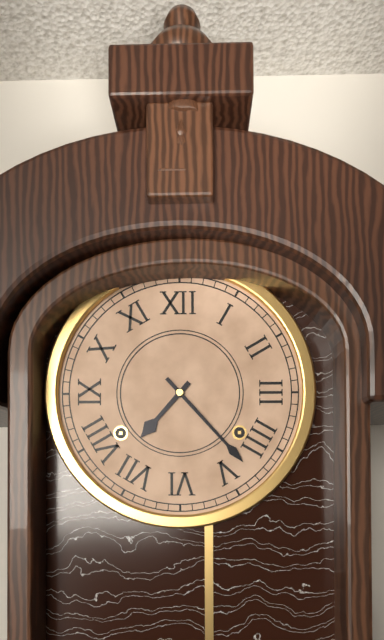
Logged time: {"hour": 7, "minute": 23}
